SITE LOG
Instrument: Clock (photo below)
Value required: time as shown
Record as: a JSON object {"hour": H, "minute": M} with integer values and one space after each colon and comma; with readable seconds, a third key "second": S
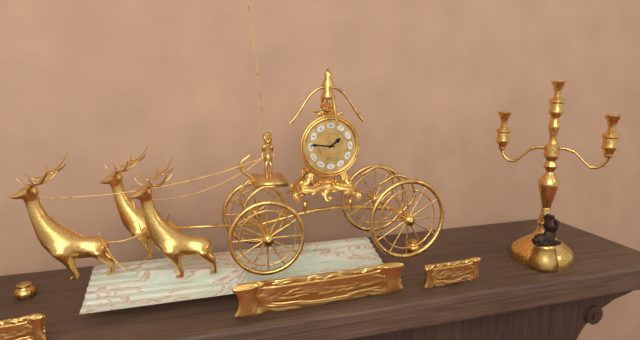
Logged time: {"hour": 1, "minute": 46}
